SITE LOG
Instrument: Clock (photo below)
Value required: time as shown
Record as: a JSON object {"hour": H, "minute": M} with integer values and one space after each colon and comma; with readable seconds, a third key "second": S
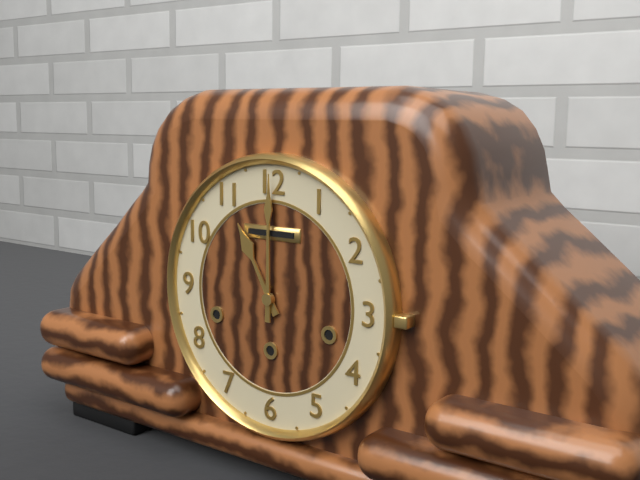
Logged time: {"hour": 11, "minute": 0}
